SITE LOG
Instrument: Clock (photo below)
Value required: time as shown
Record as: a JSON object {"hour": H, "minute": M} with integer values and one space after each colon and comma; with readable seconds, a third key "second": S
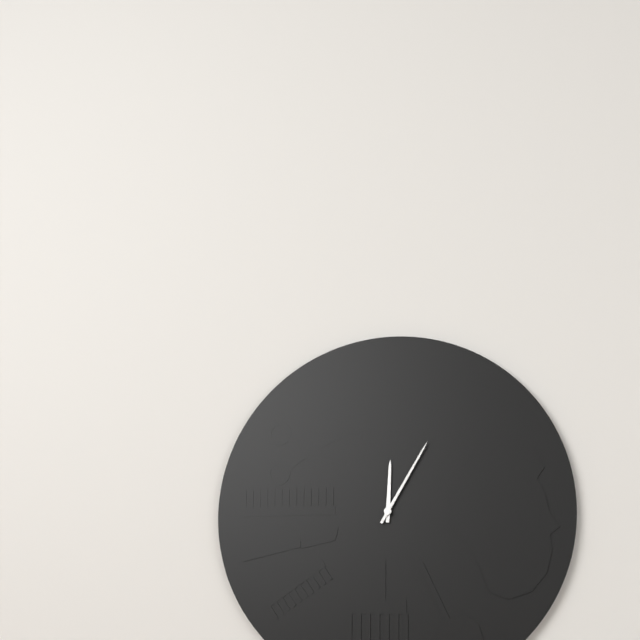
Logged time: {"hour": 12, "minute": 5}
